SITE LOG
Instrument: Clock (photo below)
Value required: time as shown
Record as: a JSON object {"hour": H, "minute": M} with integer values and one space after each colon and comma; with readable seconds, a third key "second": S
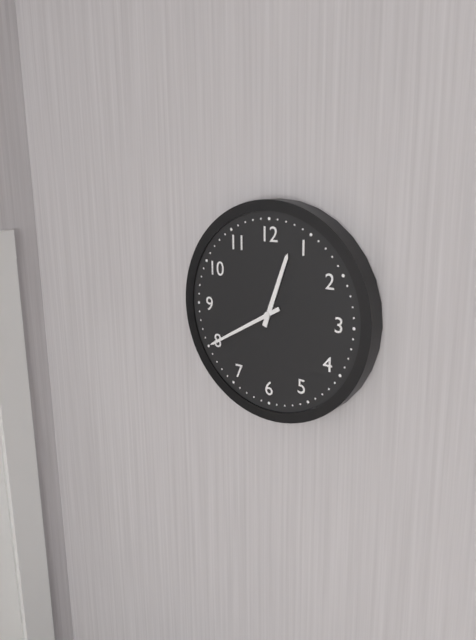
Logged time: {"hour": 12, "minute": 40}
